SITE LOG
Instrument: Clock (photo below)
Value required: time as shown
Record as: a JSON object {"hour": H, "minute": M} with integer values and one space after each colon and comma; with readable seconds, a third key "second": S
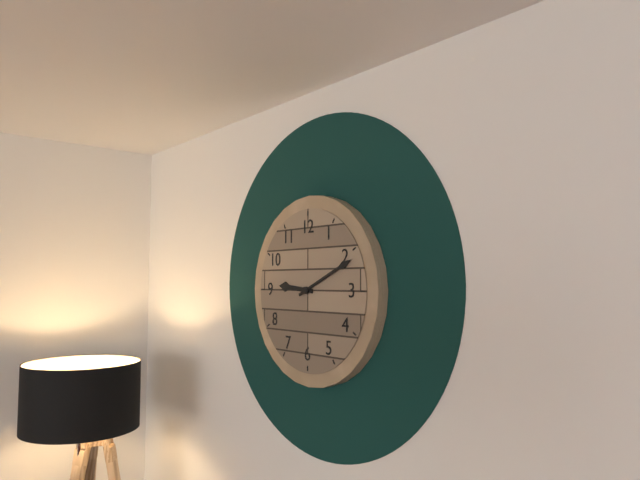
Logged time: {"hour": 9, "minute": 11}
